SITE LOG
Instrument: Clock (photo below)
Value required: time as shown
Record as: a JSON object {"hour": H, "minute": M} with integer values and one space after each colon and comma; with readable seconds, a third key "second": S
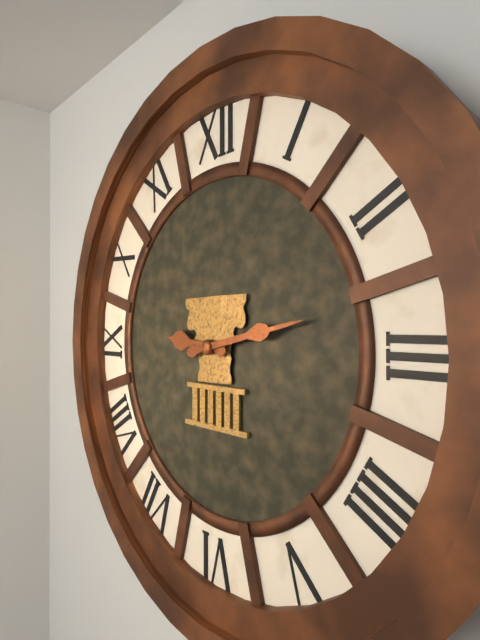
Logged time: {"hour": 9, "minute": 13}
